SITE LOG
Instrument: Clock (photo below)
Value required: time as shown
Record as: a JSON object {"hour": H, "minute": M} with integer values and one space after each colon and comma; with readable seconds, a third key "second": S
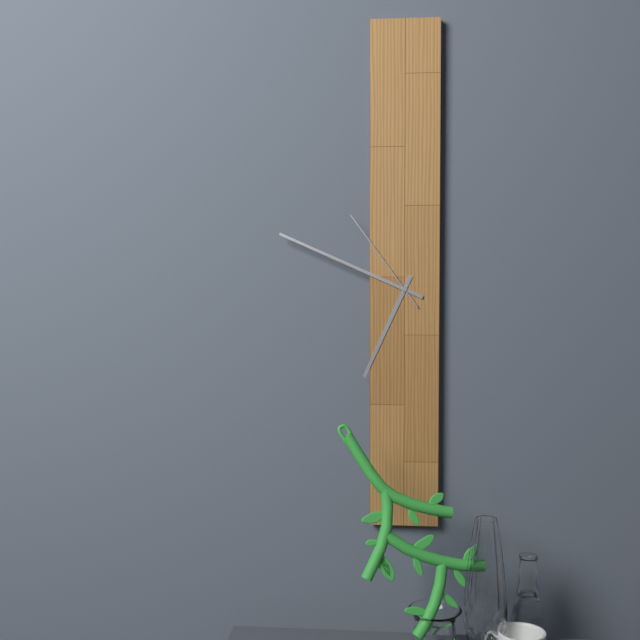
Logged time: {"hour": 6, "minute": 49, "second": 54}
